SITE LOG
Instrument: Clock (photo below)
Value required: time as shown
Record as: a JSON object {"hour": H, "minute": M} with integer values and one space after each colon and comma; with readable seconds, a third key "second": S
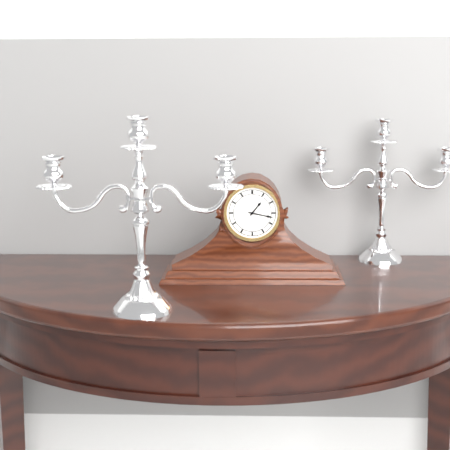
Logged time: {"hour": 1, "minute": 17}
